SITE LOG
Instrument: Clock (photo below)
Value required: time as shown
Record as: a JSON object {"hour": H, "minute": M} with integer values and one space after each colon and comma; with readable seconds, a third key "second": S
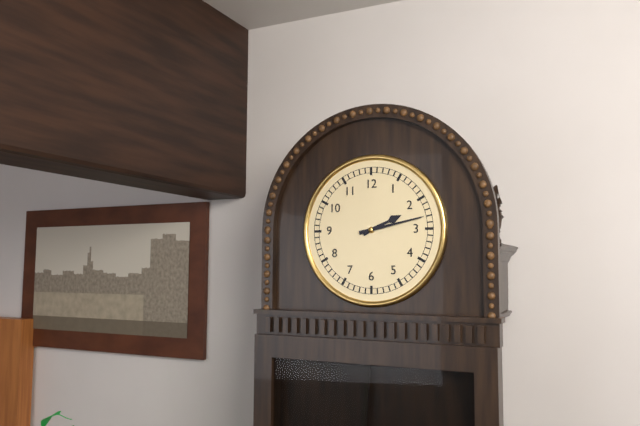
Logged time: {"hour": 2, "minute": 13}
